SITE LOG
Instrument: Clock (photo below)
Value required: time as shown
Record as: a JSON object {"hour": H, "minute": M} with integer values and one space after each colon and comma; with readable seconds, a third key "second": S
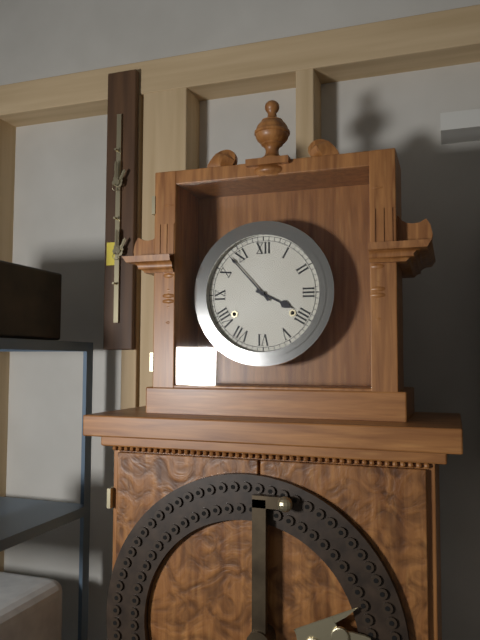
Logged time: {"hour": 3, "minute": 53}
